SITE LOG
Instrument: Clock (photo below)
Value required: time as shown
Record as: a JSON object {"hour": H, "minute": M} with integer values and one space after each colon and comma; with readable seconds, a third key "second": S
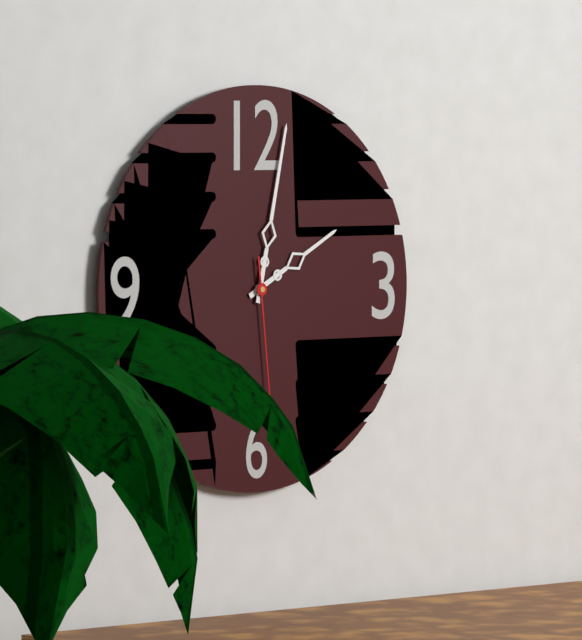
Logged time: {"hour": 2, "minute": 2, "second": 29}
